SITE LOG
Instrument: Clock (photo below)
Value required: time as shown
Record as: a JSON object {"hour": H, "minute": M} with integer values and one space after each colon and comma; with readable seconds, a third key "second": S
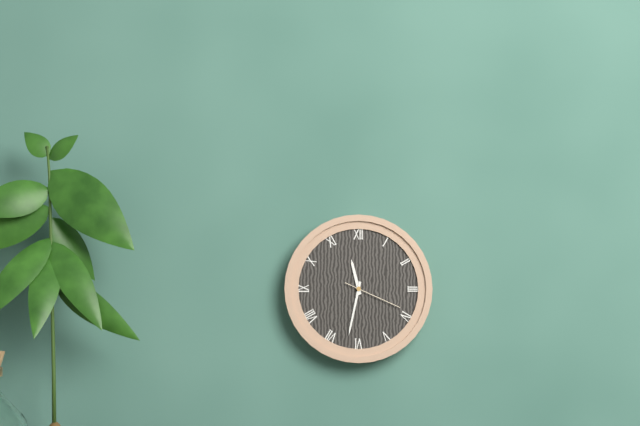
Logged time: {"hour": 11, "minute": 32, "second": 19}
